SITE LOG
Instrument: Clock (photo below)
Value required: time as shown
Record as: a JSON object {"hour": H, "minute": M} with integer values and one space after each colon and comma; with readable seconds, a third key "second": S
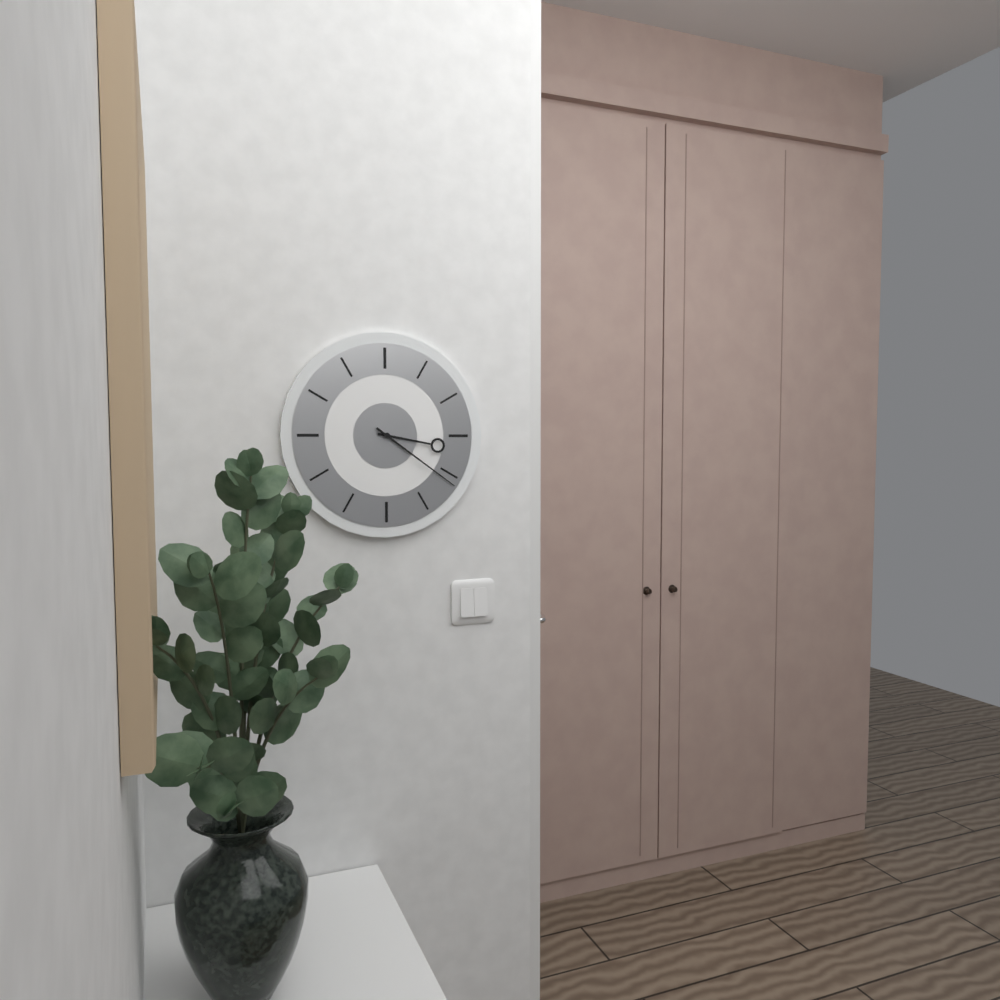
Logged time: {"hour": 3, "minute": 21}
